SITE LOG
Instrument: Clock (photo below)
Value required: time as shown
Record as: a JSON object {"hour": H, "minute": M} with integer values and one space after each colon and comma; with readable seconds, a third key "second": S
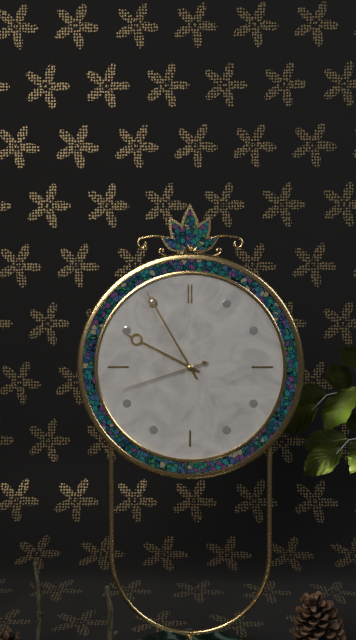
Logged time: {"hour": 9, "minute": 55, "second": 42}
